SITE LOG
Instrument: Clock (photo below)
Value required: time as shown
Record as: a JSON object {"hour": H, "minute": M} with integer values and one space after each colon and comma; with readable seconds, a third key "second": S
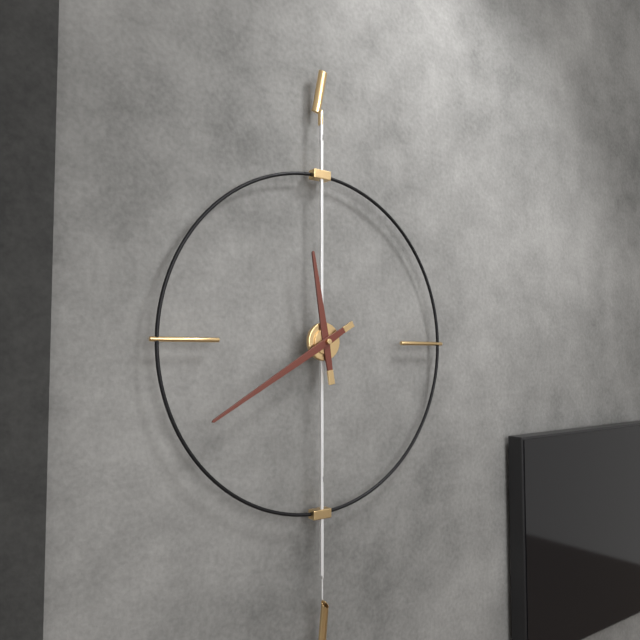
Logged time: {"hour": 11, "minute": 40}
